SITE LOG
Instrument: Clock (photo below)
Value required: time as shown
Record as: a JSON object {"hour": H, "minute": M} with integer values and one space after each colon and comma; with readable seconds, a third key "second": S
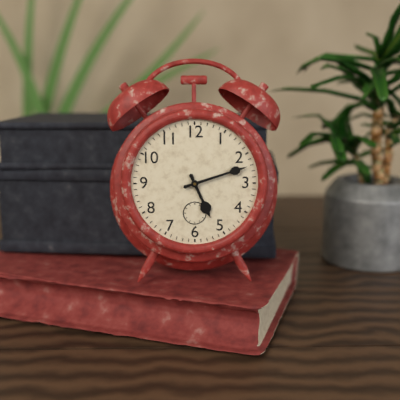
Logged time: {"hour": 5, "minute": 12}
